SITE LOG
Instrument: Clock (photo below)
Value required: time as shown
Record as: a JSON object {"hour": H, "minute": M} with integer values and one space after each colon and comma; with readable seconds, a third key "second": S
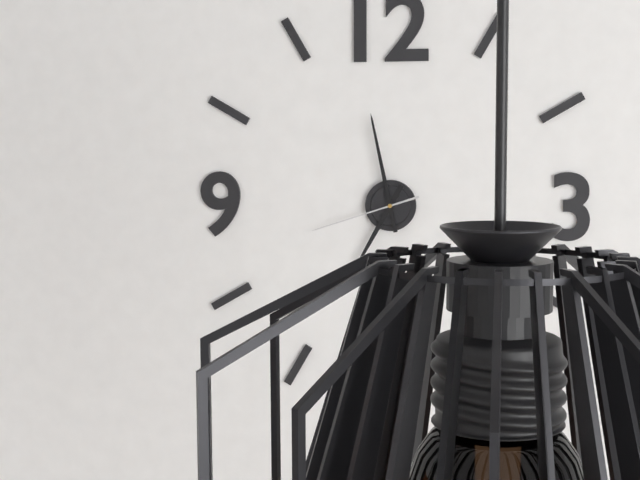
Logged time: {"hour": 6, "minute": 58, "second": 42}
